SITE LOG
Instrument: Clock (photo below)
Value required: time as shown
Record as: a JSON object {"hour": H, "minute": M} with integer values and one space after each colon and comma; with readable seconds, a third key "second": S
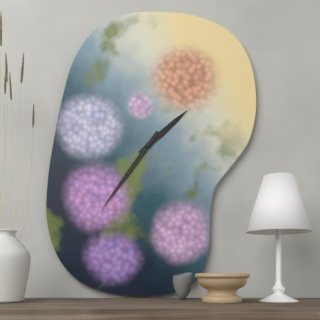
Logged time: {"hour": 1, "minute": 36}
